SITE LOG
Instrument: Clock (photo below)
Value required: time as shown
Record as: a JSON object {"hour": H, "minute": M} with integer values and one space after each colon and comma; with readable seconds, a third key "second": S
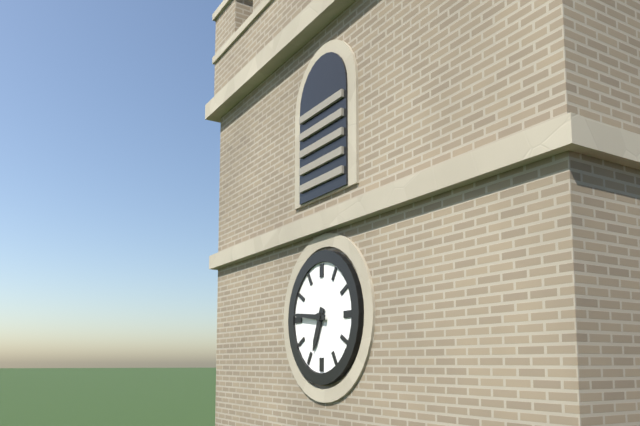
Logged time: {"hour": 6, "minute": 46}
